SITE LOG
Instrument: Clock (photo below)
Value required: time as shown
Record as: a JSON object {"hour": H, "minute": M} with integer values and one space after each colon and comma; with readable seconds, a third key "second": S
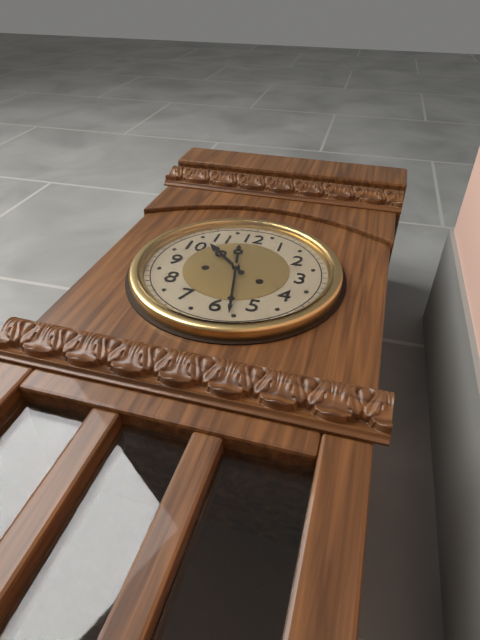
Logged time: {"hour": 10, "minute": 28}
